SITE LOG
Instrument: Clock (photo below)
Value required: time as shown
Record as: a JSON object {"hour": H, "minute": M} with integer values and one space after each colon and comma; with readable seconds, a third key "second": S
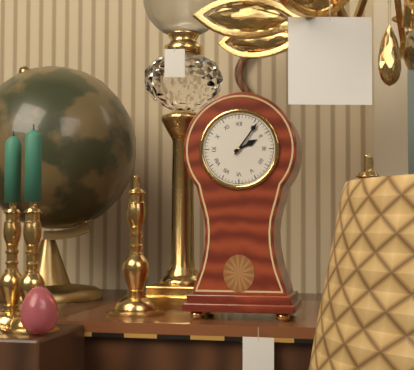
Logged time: {"hour": 2, "minute": 6}
